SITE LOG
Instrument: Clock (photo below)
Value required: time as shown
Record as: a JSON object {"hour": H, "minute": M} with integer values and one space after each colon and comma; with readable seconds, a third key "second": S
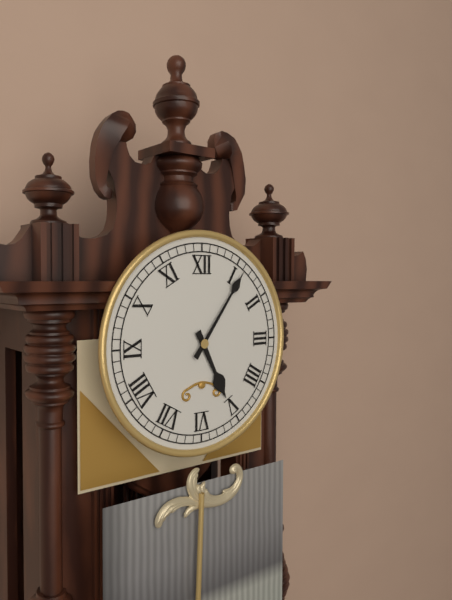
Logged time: {"hour": 5, "minute": 6}
